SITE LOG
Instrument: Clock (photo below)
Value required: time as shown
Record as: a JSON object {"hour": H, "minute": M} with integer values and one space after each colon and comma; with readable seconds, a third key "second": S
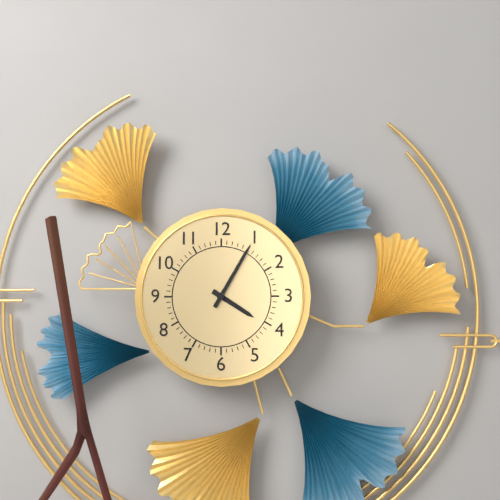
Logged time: {"hour": 4, "minute": 5}
